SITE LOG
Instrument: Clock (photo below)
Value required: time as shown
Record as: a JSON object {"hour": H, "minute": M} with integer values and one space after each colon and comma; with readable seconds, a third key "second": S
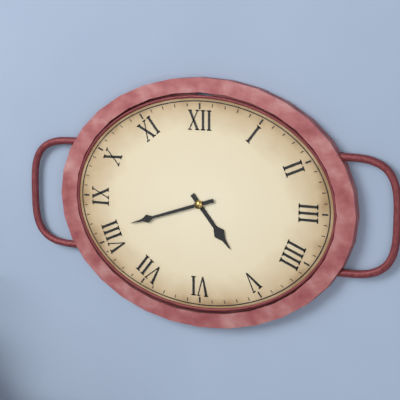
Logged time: {"hour": 4, "minute": 42}
